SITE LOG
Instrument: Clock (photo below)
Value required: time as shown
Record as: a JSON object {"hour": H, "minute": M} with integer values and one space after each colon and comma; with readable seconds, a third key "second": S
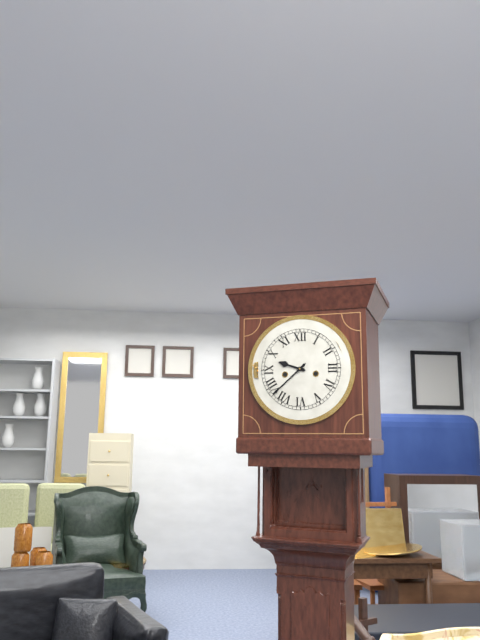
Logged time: {"hour": 9, "minute": 38}
